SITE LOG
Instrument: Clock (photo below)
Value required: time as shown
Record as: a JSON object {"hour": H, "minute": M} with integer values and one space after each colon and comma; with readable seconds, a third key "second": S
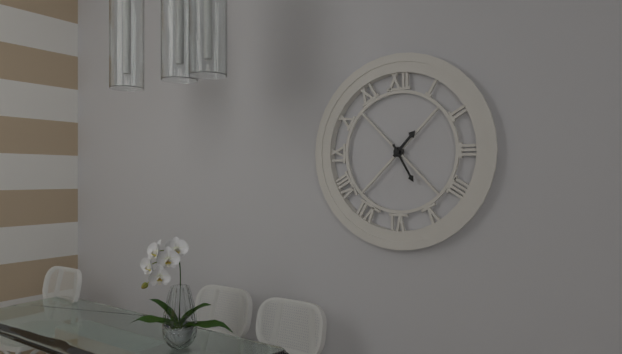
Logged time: {"hour": 1, "minute": 25}
